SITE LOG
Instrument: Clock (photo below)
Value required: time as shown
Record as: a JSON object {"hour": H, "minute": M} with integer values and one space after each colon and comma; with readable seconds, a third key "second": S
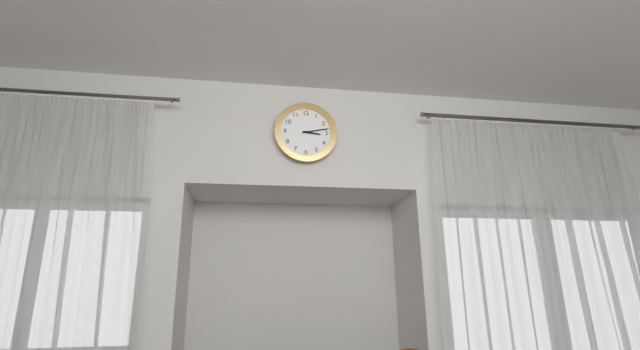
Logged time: {"hour": 3, "minute": 13}
